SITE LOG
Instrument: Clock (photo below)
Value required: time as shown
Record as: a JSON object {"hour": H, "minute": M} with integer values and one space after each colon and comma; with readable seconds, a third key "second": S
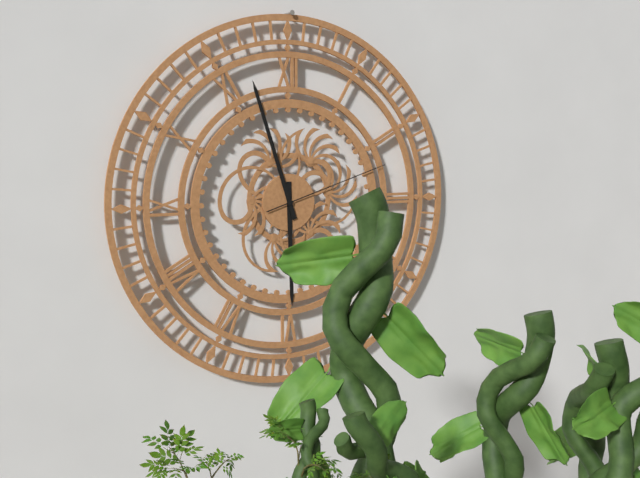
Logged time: {"hour": 5, "minute": 57, "second": 12}
